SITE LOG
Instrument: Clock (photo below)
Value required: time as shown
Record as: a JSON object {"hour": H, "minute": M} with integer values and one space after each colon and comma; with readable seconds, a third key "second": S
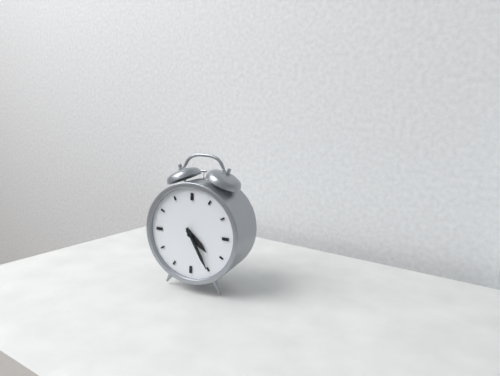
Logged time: {"hour": 4, "minute": 25}
